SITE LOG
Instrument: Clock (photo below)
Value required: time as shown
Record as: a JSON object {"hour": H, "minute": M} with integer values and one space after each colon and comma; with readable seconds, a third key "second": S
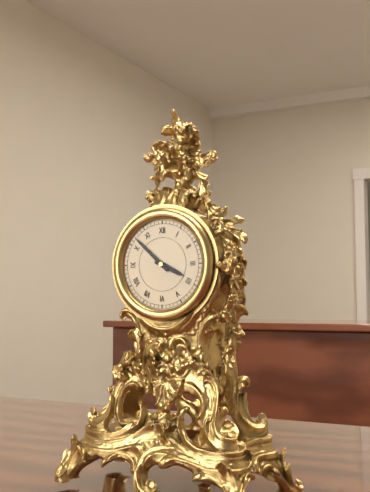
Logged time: {"hour": 3, "minute": 52}
